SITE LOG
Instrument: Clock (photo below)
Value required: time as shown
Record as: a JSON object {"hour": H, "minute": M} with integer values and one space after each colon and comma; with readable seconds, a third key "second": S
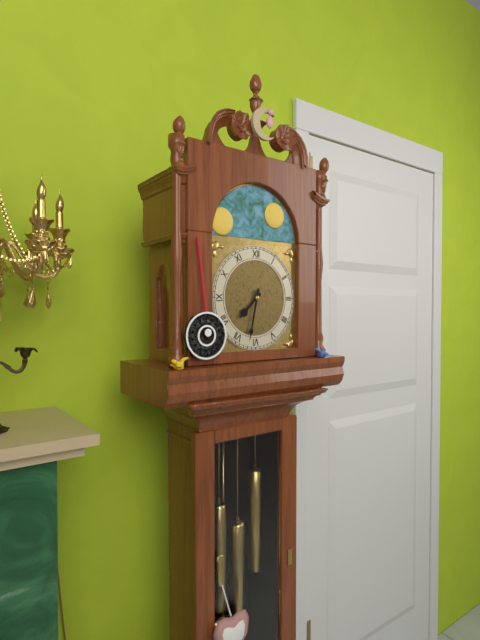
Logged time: {"hour": 7, "minute": 32}
